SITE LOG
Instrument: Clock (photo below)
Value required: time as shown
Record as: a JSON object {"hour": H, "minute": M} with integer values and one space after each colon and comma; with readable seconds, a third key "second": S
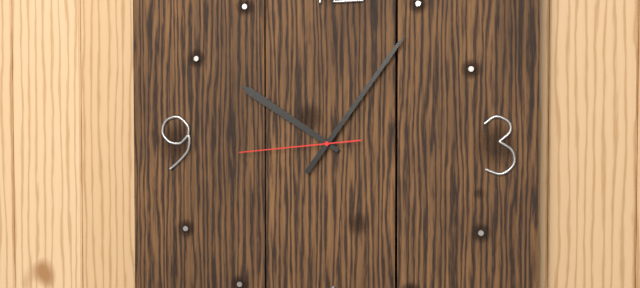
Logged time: {"hour": 10, "minute": 6, "second": 44}
